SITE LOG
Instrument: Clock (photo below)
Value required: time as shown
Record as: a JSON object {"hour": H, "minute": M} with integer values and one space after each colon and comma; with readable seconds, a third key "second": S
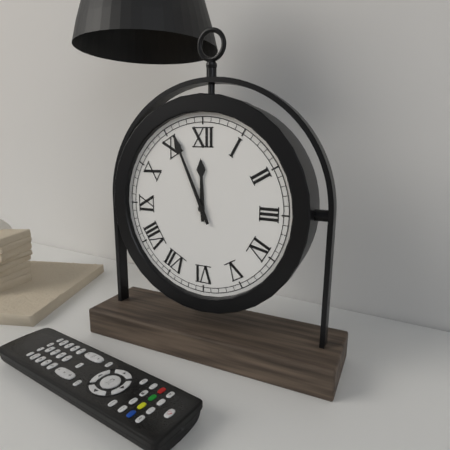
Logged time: {"hour": 11, "minute": 56}
